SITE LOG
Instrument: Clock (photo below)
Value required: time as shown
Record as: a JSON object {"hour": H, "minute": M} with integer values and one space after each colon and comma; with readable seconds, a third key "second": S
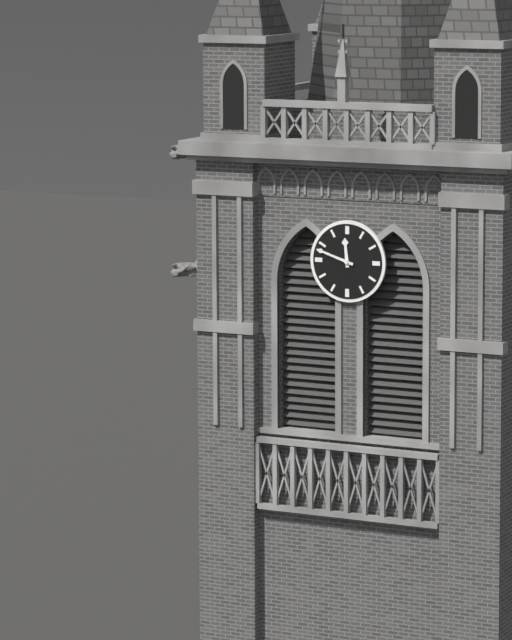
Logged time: {"hour": 11, "minute": 48}
